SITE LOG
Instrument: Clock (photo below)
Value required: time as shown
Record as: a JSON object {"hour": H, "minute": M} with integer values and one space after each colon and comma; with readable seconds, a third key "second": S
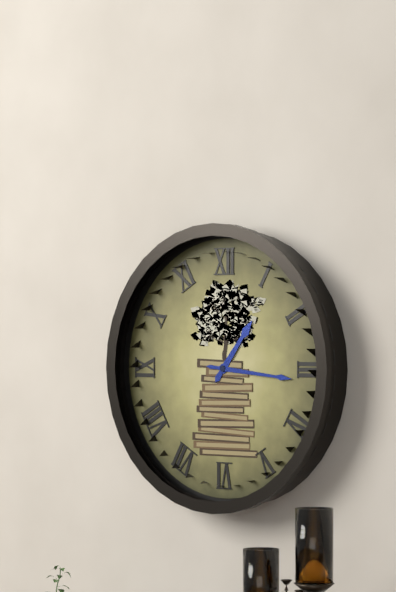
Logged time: {"hour": 1, "minute": 16}
